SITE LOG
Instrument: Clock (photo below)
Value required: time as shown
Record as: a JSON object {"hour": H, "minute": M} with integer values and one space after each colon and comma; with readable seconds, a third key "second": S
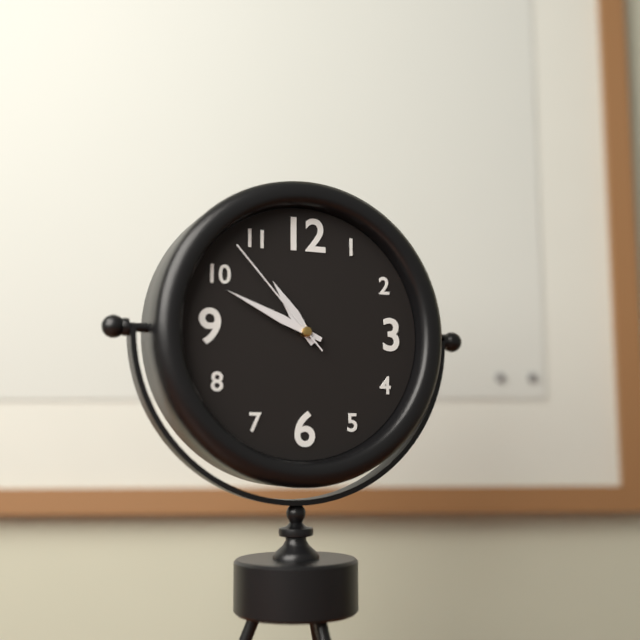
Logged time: {"hour": 10, "minute": 49, "second": 53}
